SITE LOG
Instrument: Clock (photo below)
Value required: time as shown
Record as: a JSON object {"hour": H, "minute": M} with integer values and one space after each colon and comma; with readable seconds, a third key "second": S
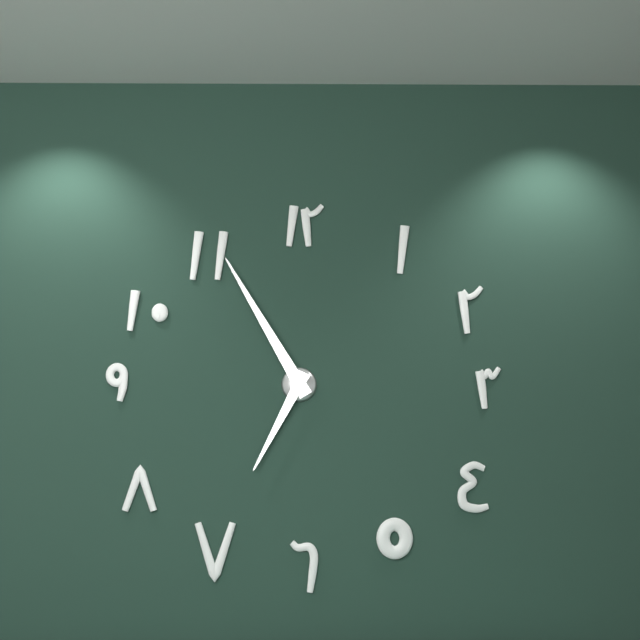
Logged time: {"hour": 6, "minute": 55}
